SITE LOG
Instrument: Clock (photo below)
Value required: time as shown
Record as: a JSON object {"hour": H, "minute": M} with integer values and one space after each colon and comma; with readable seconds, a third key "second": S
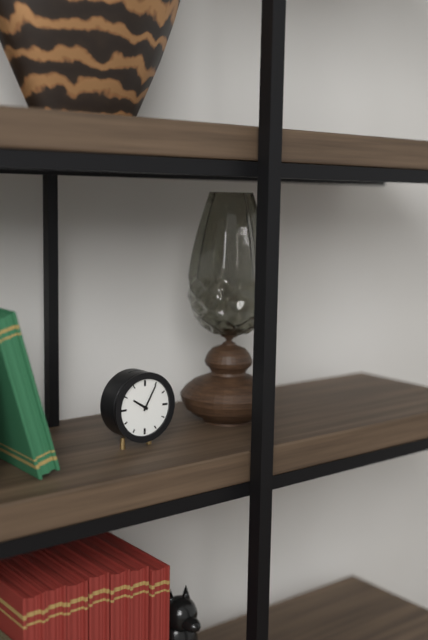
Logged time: {"hour": 10, "minute": 5}
